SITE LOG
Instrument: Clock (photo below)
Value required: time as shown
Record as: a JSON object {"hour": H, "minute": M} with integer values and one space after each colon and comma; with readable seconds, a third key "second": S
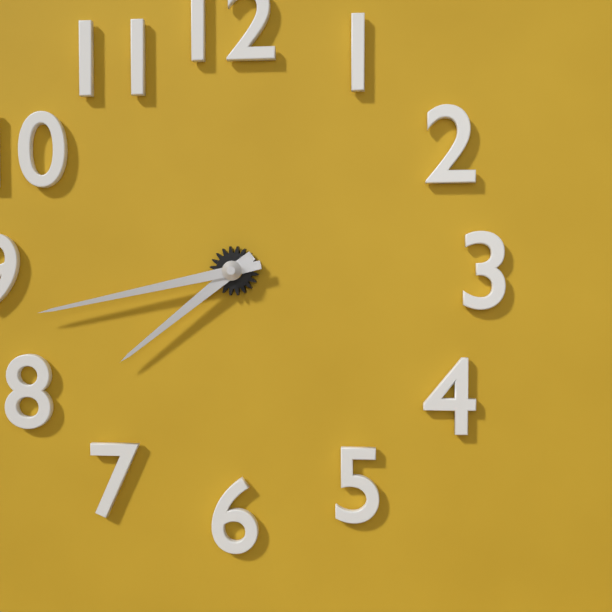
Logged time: {"hour": 7, "minute": 43}
